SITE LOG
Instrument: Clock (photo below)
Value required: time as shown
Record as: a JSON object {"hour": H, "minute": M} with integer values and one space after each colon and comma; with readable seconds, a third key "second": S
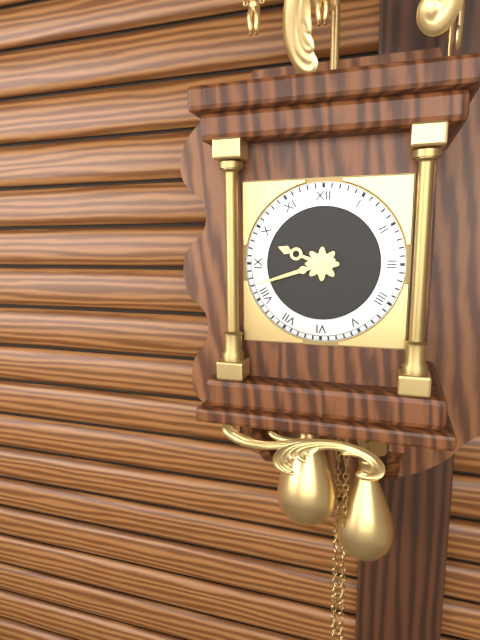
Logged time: {"hour": 9, "minute": 42}
